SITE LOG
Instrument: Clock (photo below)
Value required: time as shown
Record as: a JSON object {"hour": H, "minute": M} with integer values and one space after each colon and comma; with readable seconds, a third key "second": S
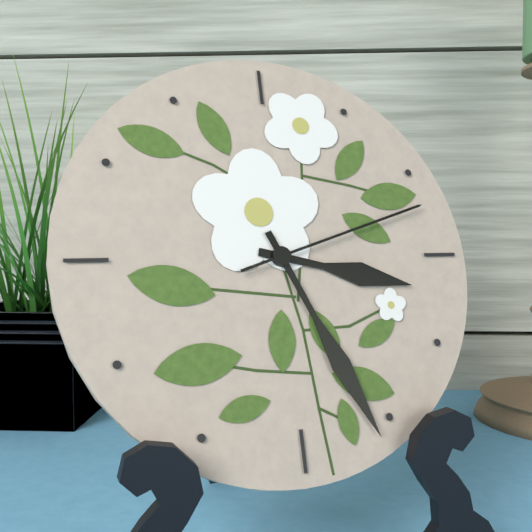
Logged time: {"hour": 3, "minute": 26, "second": 12}
